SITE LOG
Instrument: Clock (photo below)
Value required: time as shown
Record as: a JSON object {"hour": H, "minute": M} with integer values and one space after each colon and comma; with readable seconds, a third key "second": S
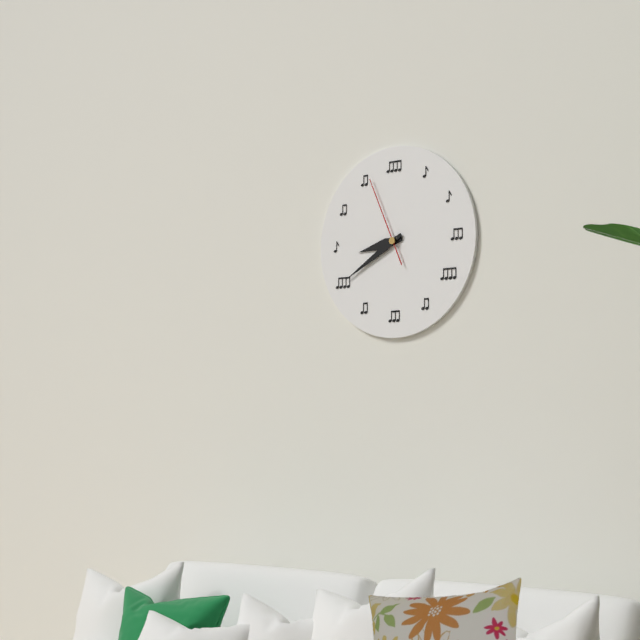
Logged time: {"hour": 8, "minute": 40, "second": 56}
